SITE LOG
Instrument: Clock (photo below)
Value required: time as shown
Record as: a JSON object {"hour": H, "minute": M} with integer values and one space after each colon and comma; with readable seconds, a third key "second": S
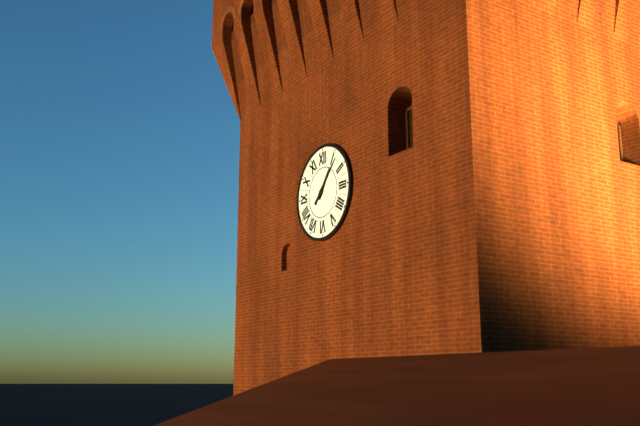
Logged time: {"hour": 1, "minute": 7}
